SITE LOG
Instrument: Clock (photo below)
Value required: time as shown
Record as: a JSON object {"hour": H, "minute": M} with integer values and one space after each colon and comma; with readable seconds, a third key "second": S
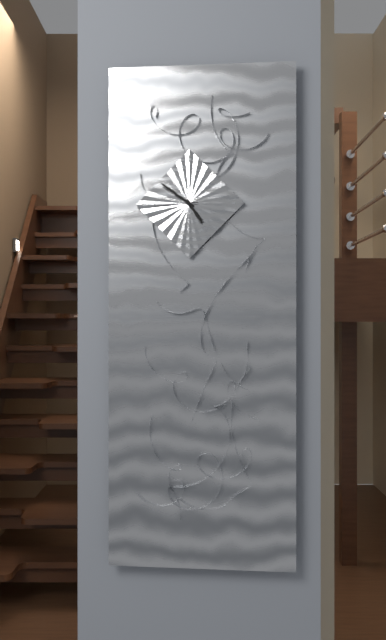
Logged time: {"hour": 4, "minute": 51}
